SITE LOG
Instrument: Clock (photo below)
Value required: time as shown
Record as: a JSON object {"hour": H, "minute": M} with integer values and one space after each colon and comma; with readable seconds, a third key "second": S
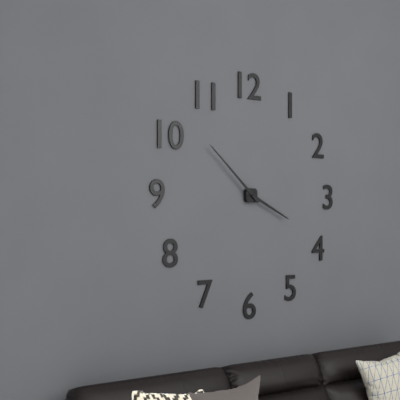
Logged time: {"hour": 3, "minute": 52}
